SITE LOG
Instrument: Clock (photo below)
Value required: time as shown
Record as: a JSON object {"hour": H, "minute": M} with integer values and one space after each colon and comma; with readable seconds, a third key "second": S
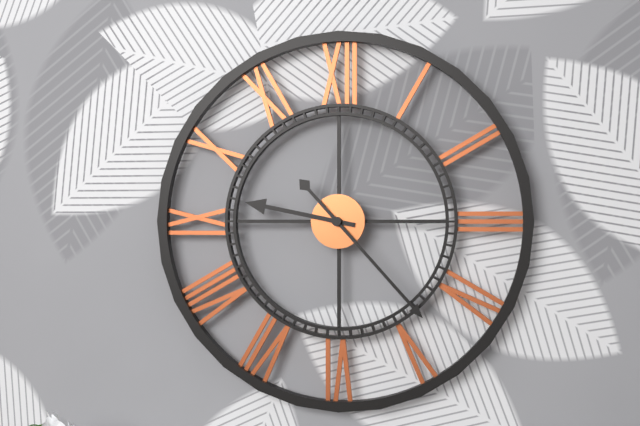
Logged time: {"hour": 9, "minute": 23}
